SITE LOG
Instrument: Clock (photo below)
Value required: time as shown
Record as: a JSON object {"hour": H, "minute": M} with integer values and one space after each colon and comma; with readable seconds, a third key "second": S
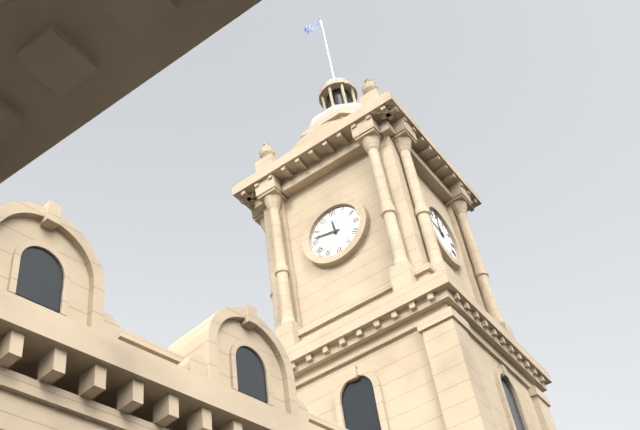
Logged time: {"hour": 11, "minute": 47}
